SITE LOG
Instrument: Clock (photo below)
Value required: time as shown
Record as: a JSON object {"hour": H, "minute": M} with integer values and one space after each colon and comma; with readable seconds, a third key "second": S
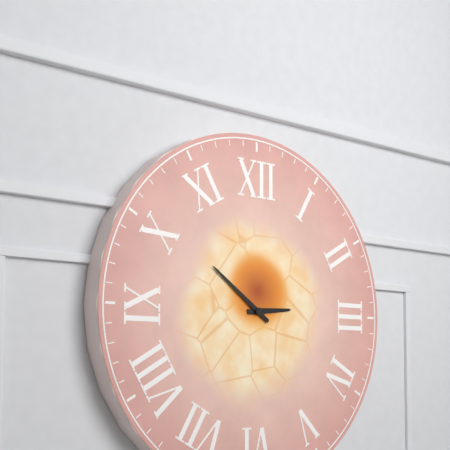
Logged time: {"hour": 2, "minute": 51}
